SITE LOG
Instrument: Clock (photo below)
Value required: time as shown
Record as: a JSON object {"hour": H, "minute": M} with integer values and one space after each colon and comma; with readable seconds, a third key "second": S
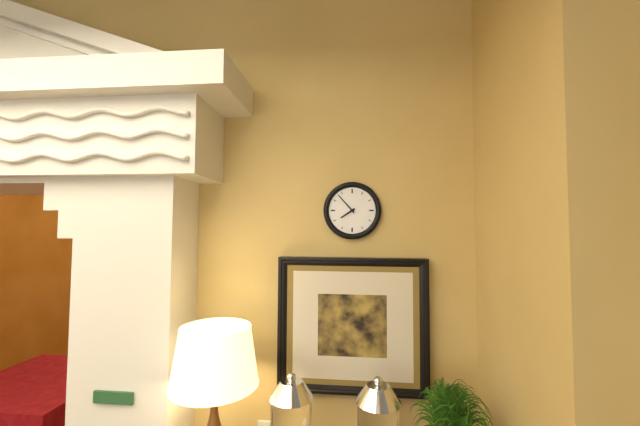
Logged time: {"hour": 7, "minute": 53}
